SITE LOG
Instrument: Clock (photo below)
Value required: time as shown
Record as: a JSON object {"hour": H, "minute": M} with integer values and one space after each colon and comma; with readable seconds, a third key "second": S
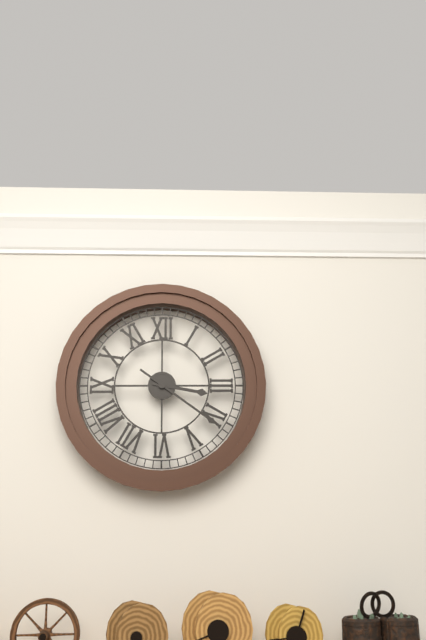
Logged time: {"hour": 3, "minute": 21}
